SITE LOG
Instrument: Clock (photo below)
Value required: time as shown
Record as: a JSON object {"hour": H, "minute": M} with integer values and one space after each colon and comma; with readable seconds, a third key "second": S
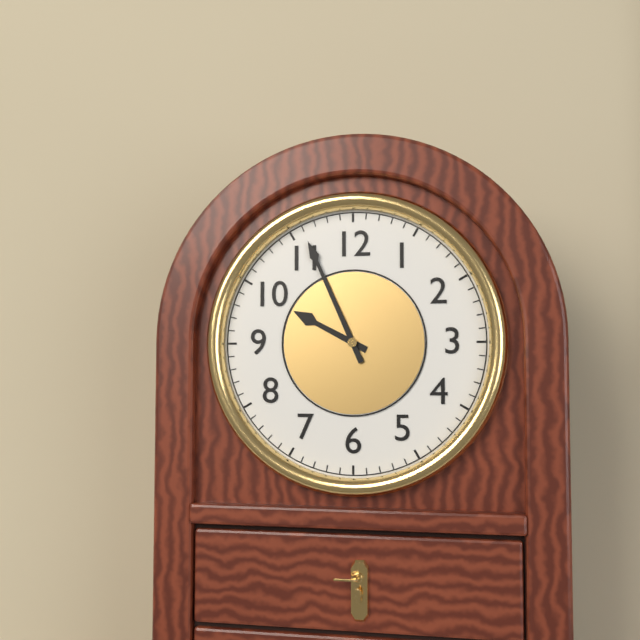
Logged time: {"hour": 9, "minute": 56}
